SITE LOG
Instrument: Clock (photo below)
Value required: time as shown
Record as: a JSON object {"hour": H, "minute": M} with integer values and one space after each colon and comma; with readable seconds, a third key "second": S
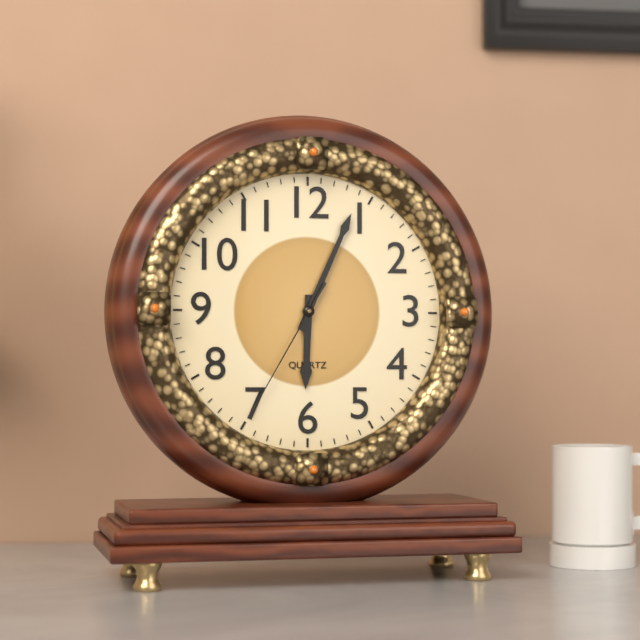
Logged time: {"hour": 6, "minute": 4, "second": 35}
